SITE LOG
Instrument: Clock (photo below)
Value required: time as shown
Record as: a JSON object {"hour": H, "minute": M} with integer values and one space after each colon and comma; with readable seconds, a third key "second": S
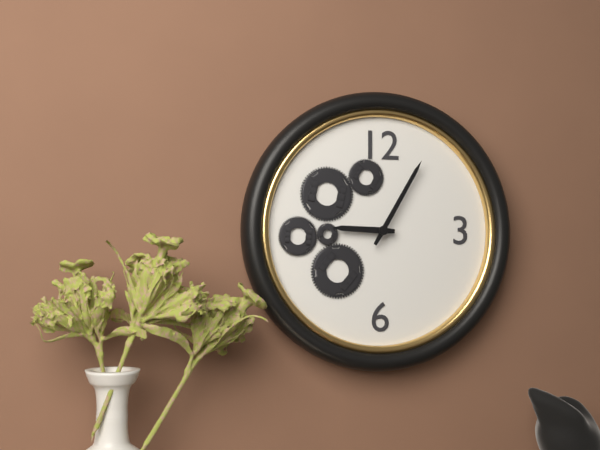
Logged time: {"hour": 9, "minute": 5}
